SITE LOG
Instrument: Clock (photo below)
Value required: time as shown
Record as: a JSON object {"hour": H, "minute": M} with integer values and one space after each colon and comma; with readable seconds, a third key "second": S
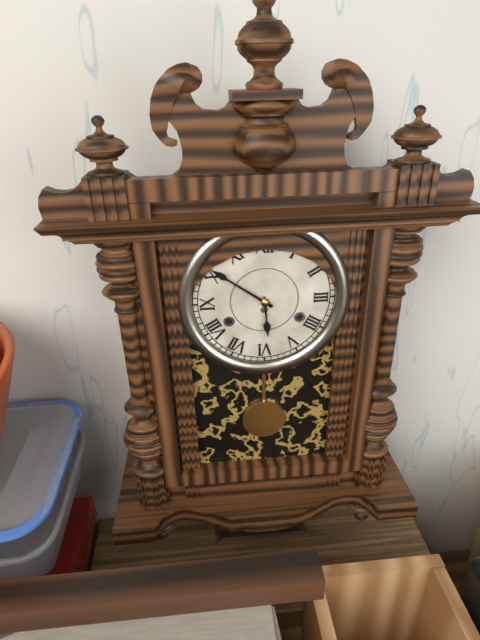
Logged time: {"hour": 5, "minute": 51}
